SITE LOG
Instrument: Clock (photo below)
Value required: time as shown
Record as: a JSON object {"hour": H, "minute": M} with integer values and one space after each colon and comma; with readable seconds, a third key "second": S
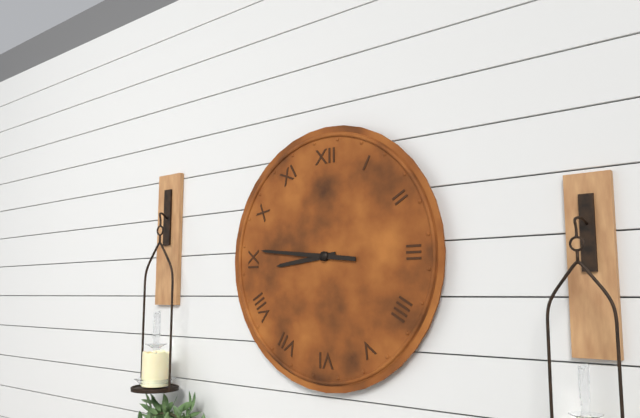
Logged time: {"hour": 8, "minute": 46}
